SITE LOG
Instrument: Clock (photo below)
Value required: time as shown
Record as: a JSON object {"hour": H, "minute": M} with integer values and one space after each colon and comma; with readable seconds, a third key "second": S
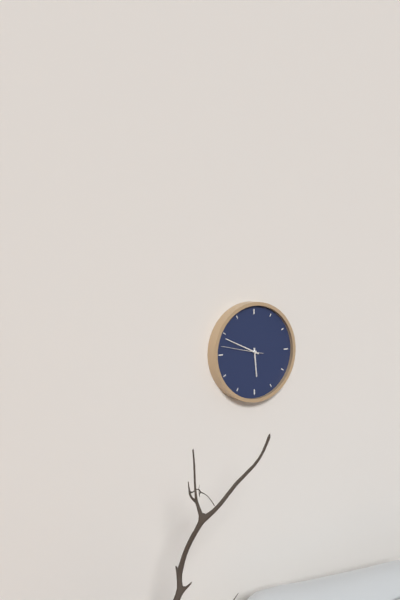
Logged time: {"hour": 5, "minute": 49}
